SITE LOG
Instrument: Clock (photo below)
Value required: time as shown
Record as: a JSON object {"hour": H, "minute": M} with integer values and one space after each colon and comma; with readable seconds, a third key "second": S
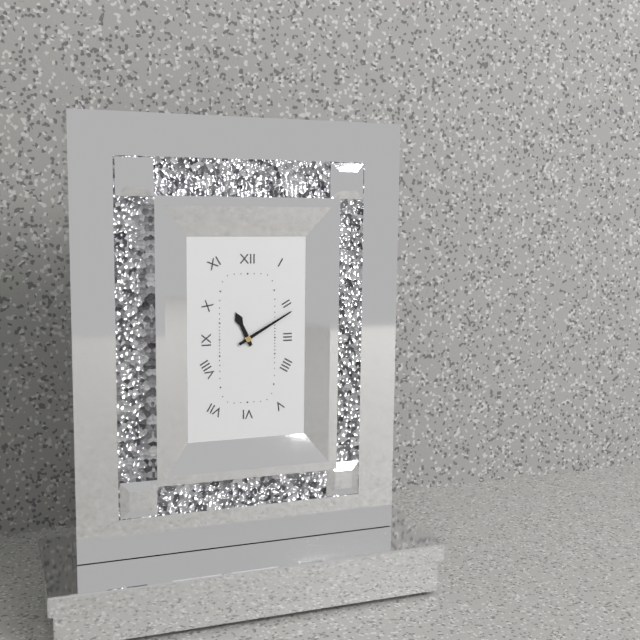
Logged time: {"hour": 11, "minute": 10}
